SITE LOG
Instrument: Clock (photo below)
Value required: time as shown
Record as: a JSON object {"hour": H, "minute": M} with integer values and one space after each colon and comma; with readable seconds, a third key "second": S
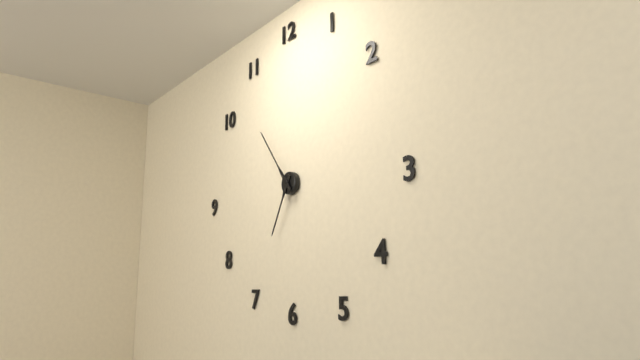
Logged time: {"hour": 6, "minute": 54}
